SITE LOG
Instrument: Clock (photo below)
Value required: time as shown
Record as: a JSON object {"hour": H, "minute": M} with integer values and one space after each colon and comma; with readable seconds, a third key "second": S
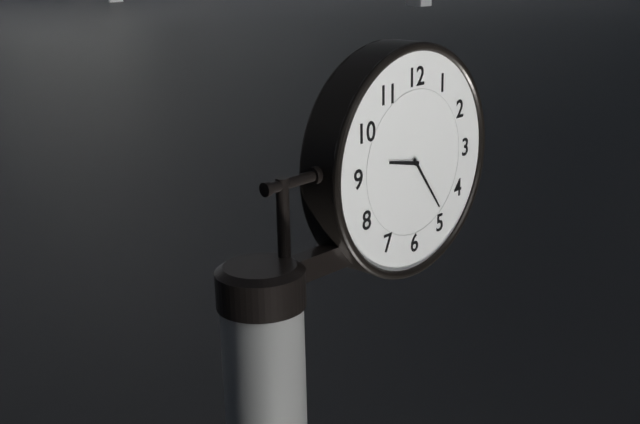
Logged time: {"hour": 9, "minute": 24}
